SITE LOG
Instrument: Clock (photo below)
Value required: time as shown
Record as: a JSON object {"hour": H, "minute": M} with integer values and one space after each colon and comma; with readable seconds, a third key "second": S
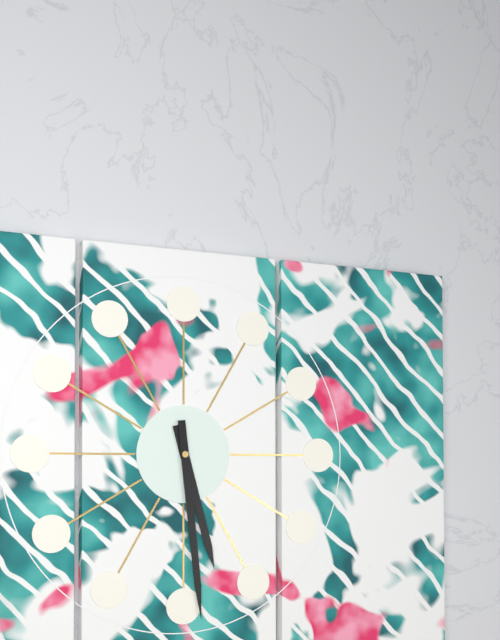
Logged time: {"hour": 5, "minute": 29}
